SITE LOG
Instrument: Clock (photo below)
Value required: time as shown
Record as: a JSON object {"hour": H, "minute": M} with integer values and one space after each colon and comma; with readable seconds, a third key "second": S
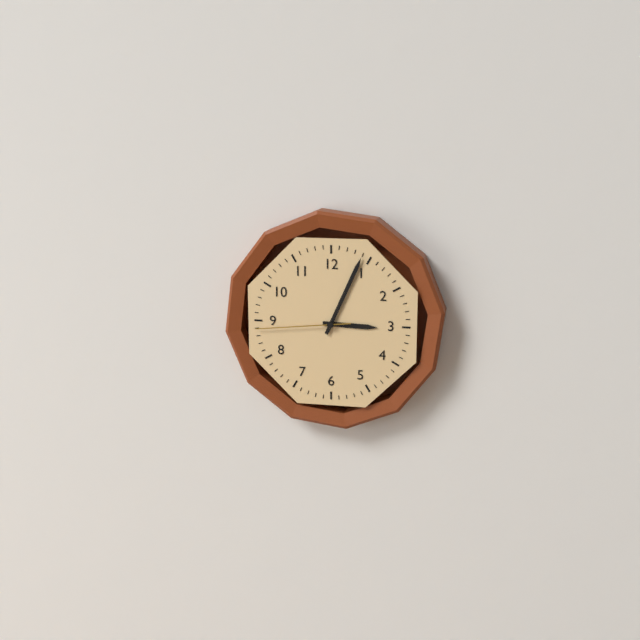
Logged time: {"hour": 3, "minute": 4, "second": 44}
